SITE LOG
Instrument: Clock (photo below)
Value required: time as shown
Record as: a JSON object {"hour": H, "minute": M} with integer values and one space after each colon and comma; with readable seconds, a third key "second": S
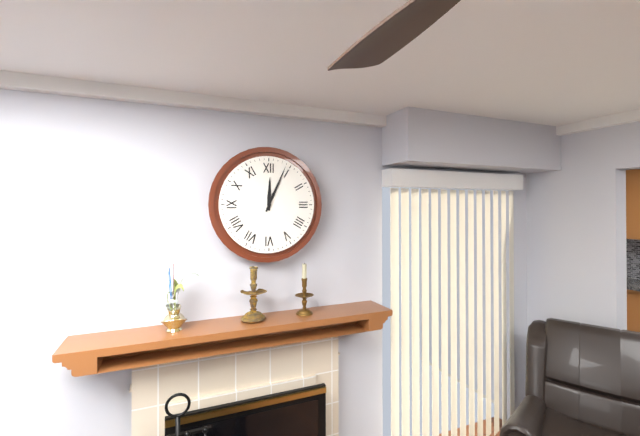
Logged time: {"hour": 12, "minute": 4}
